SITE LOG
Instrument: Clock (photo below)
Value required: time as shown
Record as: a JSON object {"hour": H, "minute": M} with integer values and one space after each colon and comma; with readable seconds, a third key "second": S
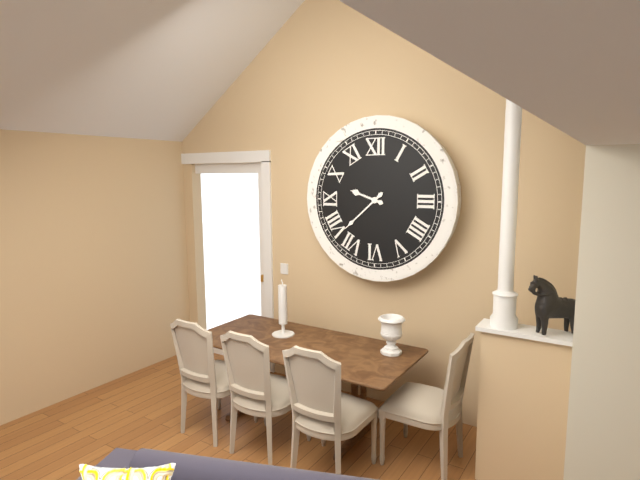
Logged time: {"hour": 9, "minute": 38}
